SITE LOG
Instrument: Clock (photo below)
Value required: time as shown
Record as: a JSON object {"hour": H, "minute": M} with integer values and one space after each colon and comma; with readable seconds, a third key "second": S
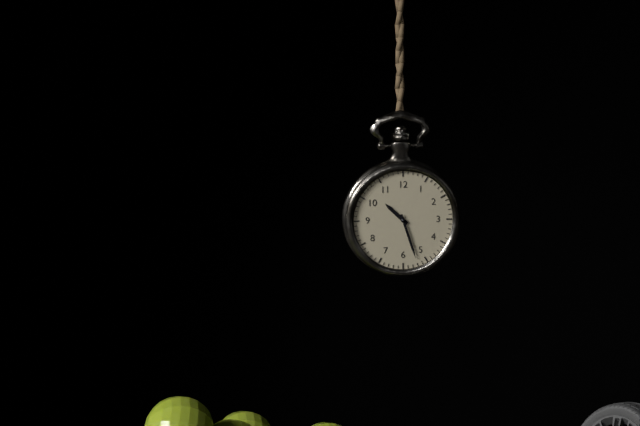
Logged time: {"hour": 10, "minute": 27}
